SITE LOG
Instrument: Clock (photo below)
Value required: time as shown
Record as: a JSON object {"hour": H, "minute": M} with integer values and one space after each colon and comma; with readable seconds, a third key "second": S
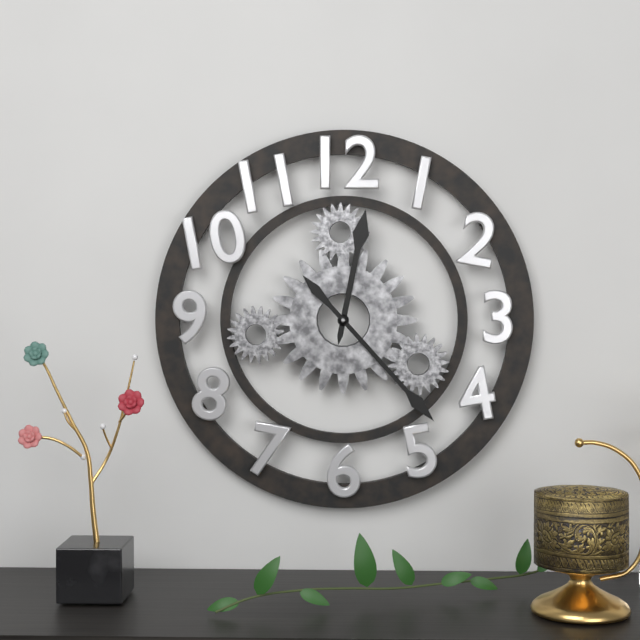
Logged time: {"hour": 12, "minute": 23}
